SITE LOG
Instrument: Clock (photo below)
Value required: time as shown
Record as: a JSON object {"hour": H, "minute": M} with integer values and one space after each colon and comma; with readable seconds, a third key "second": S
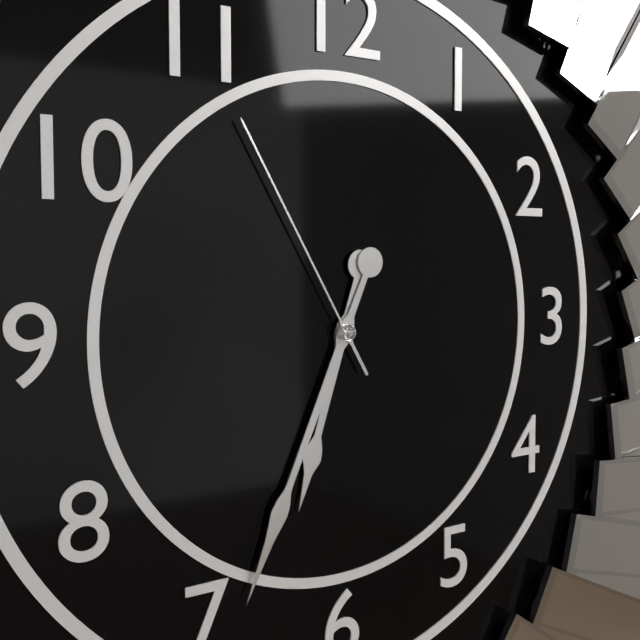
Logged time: {"hour": 6, "minute": 34, "second": 55}
